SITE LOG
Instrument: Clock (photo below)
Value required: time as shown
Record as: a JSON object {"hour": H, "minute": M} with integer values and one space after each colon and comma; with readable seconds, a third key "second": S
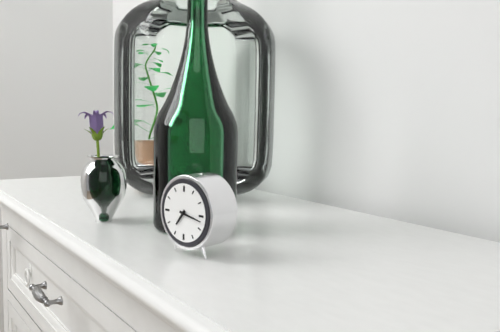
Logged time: {"hour": 7, "minute": 17}
